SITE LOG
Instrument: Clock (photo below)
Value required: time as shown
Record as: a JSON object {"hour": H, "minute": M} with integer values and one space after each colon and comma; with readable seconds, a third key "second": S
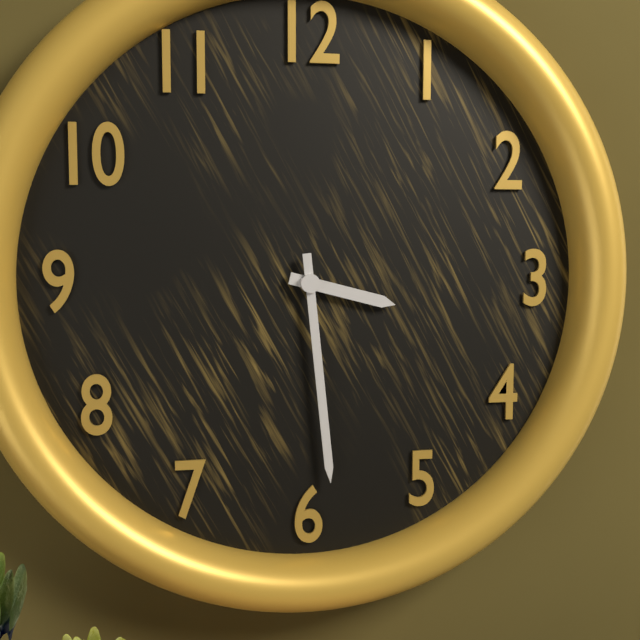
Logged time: {"hour": 3, "minute": 29}
